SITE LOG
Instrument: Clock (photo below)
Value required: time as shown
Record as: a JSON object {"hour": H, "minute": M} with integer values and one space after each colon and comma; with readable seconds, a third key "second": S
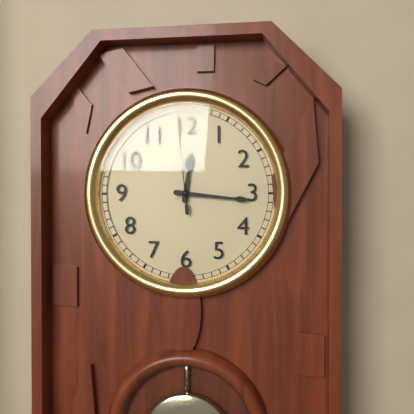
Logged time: {"hour": 12, "minute": 16, "second": 59}
